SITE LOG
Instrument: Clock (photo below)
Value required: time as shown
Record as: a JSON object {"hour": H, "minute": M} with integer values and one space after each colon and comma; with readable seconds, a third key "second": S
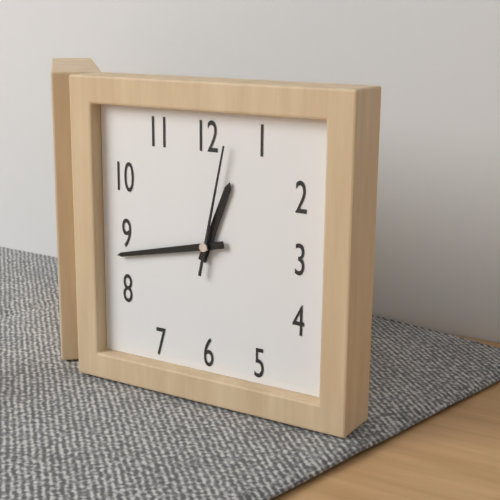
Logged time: {"hour": 12, "minute": 43, "second": 2}
